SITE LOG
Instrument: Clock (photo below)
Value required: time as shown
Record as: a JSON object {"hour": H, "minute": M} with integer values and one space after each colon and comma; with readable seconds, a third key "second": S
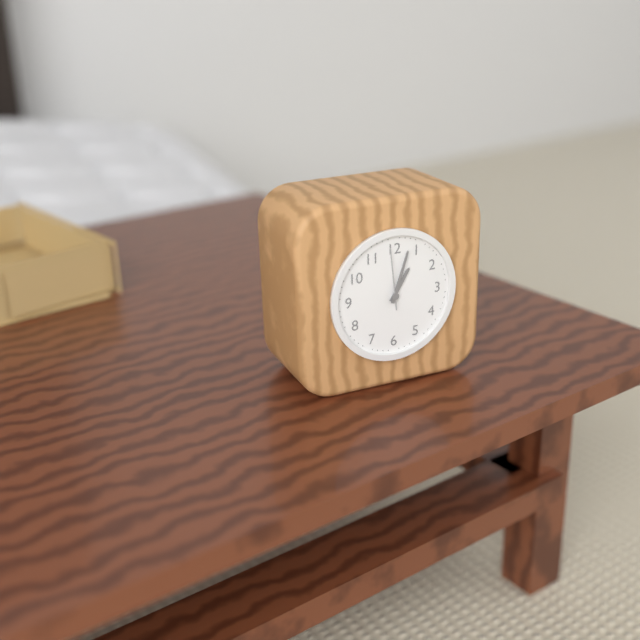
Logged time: {"hour": 1, "minute": 3, "second": 59}
